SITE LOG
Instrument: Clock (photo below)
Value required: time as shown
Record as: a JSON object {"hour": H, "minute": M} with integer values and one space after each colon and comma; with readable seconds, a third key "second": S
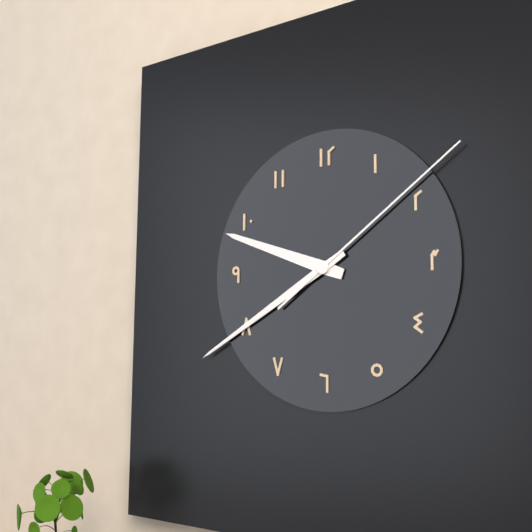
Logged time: {"hour": 9, "minute": 40, "second": 9}
